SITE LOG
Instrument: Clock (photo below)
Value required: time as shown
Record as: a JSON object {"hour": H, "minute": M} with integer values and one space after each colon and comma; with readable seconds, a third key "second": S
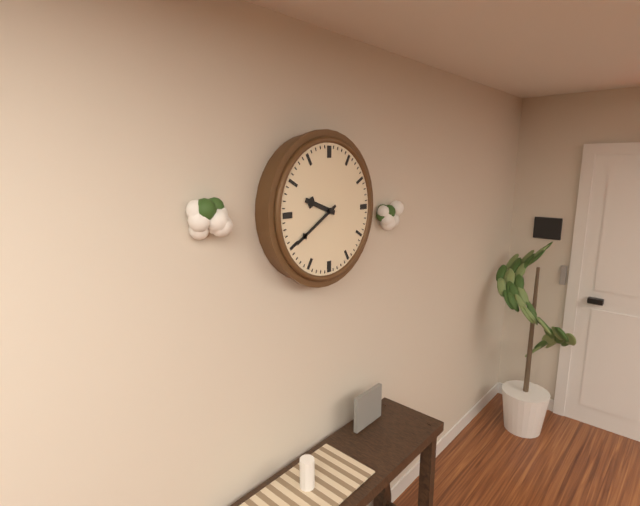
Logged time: {"hour": 9, "minute": 40}
